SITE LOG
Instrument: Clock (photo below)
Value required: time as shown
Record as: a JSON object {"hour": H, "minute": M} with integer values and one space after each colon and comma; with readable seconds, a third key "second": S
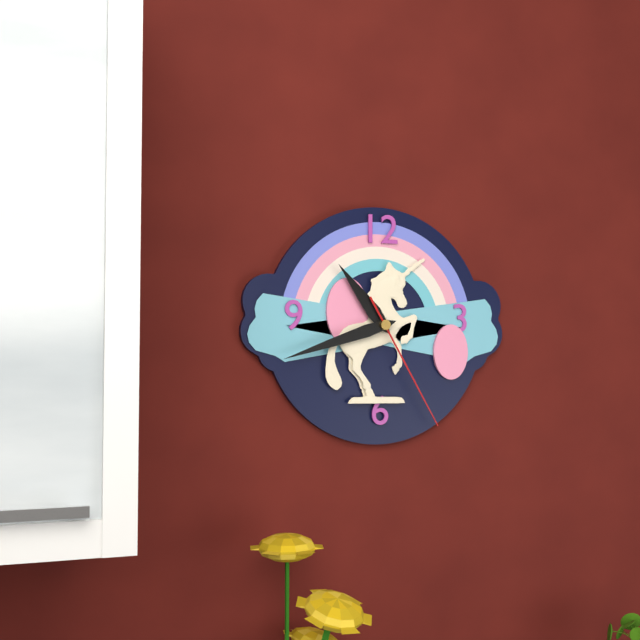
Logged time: {"hour": 10, "minute": 42, "second": 25}
